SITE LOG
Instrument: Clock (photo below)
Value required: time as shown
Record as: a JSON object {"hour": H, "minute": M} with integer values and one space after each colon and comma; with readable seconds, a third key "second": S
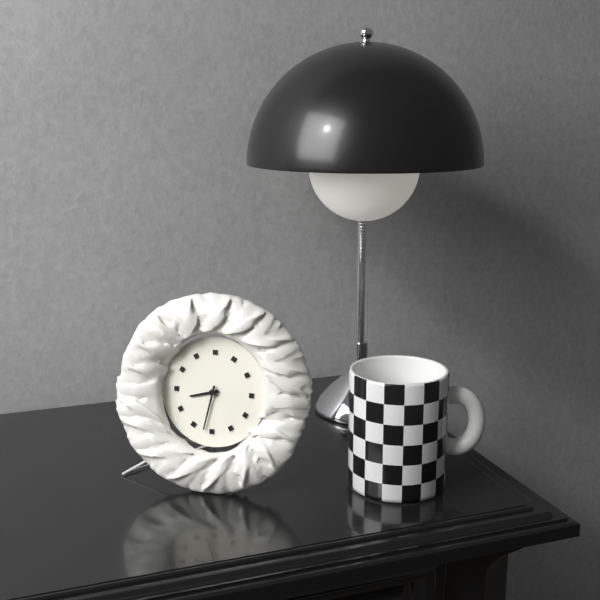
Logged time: {"hour": 8, "minute": 32}
